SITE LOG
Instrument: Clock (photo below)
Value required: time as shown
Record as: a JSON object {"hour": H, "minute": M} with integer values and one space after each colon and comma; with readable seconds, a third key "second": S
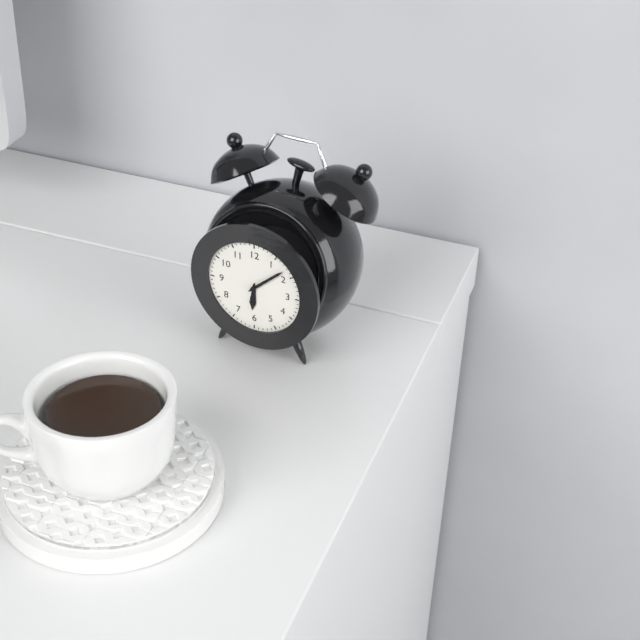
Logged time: {"hour": 6, "minute": 8}
